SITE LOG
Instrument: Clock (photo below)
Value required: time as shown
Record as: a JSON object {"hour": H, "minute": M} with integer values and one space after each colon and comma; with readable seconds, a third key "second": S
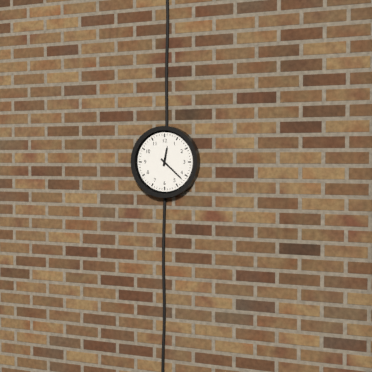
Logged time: {"hour": 12, "minute": 22}
